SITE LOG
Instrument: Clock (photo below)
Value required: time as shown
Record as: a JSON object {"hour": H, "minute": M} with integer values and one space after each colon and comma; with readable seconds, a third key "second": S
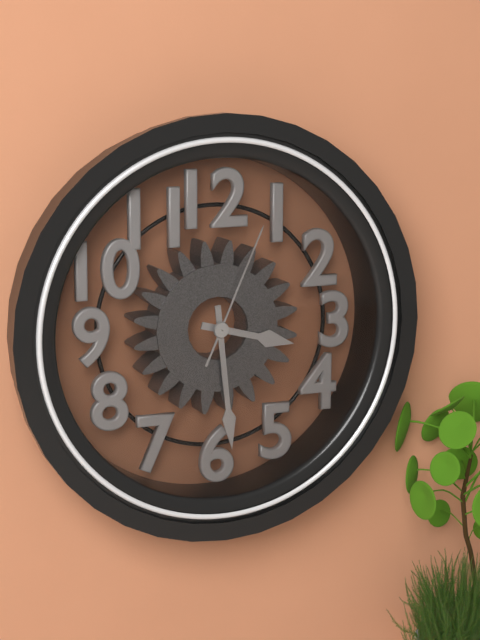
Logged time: {"hour": 3, "minute": 29, "second": 4}
